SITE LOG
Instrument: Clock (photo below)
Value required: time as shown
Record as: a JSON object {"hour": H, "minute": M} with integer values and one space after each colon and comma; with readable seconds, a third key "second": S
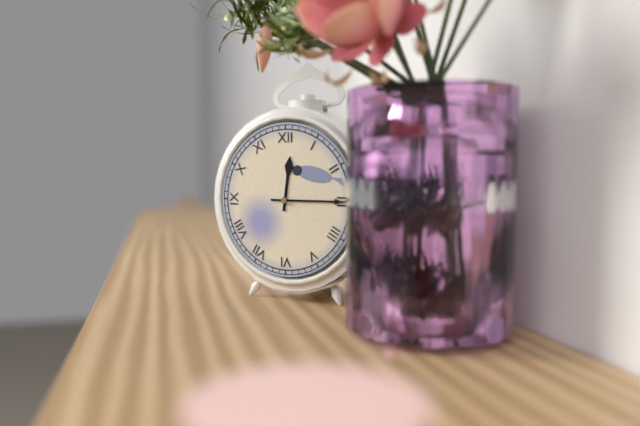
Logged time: {"hour": 12, "minute": 15}
